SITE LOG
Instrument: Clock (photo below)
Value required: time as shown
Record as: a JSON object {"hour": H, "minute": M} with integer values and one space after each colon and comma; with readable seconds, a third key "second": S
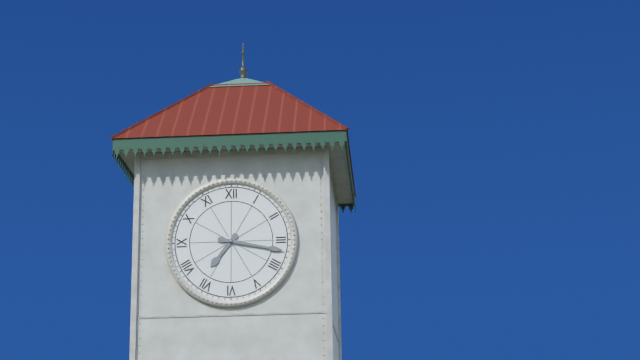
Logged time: {"hour": 7, "minute": 17}
